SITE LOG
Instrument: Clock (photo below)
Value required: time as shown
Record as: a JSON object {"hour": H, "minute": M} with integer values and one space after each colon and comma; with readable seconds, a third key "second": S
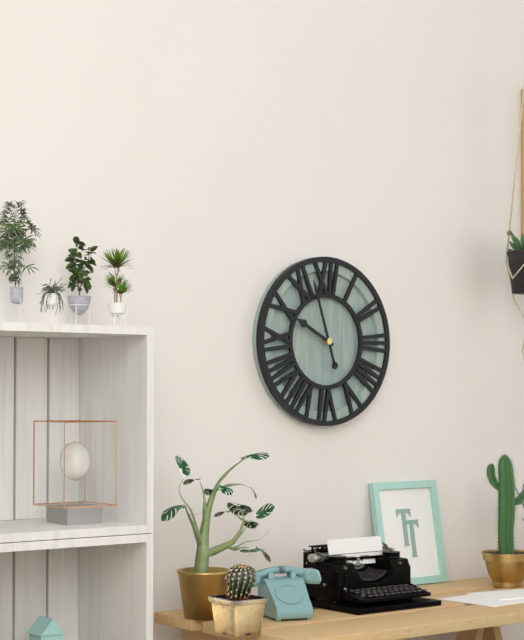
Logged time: {"hour": 9, "minute": 57}
